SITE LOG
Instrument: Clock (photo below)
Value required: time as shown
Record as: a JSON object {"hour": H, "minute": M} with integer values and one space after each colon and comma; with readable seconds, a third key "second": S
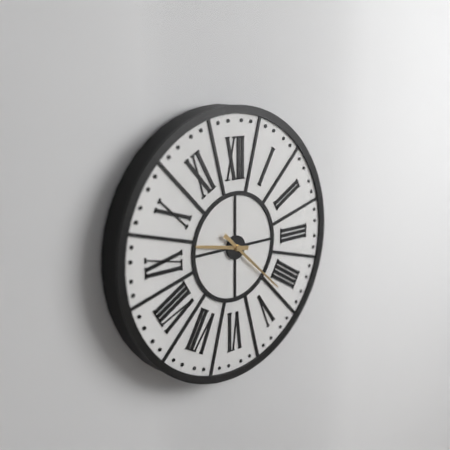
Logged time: {"hour": 9, "minute": 22}
